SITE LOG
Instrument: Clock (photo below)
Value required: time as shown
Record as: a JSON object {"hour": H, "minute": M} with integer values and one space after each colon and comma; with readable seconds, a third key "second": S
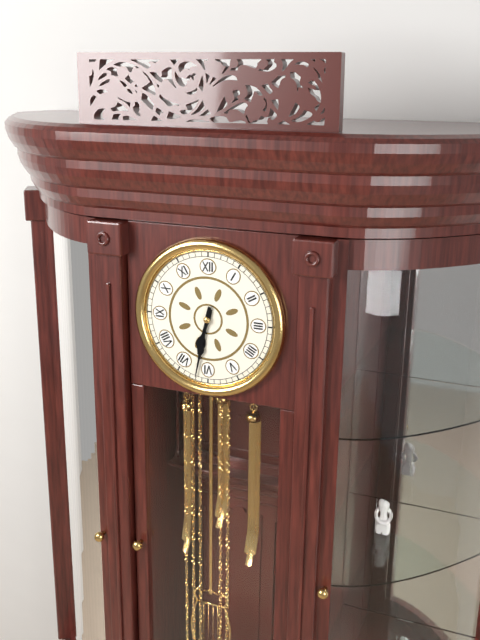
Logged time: {"hour": 6, "minute": 32}
